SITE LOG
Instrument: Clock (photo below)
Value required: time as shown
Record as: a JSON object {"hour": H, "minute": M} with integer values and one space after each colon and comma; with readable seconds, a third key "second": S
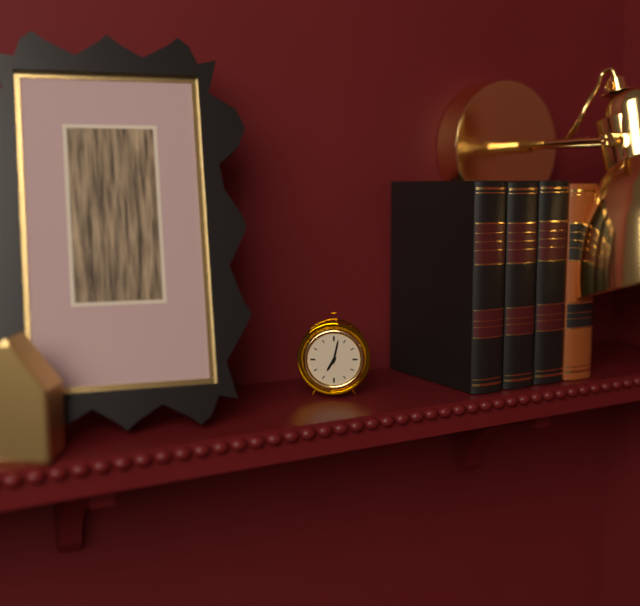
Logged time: {"hour": 7, "minute": 2}
